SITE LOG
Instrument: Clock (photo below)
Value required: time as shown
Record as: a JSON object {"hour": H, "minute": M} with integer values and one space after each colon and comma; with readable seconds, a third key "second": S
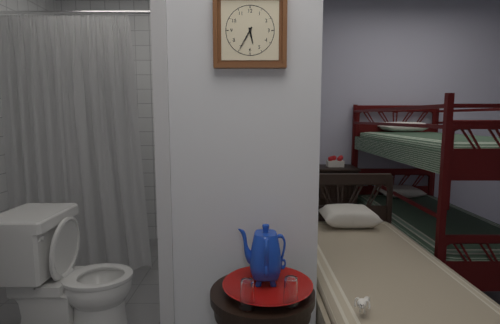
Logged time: {"hour": 5, "minute": 35}
